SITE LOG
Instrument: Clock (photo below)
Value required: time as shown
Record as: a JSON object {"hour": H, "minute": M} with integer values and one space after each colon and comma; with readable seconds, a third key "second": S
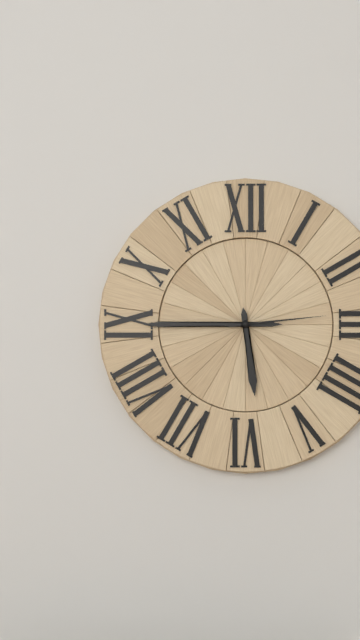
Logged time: {"hour": 5, "minute": 45, "second": 14}
